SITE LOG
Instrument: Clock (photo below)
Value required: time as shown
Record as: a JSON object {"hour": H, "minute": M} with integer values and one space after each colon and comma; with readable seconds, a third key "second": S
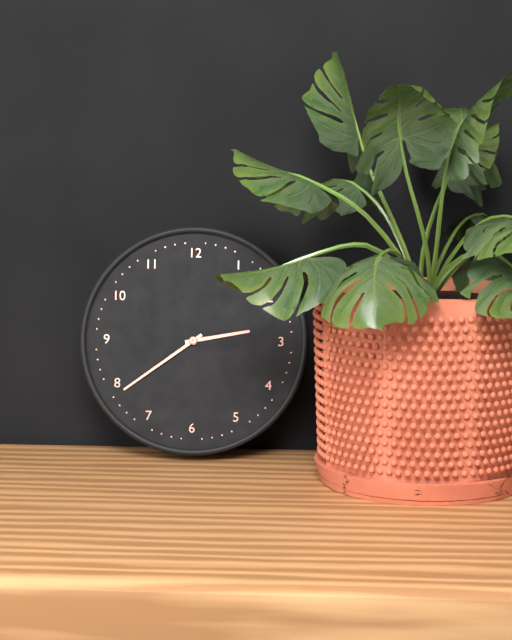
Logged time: {"hour": 2, "minute": 39}
